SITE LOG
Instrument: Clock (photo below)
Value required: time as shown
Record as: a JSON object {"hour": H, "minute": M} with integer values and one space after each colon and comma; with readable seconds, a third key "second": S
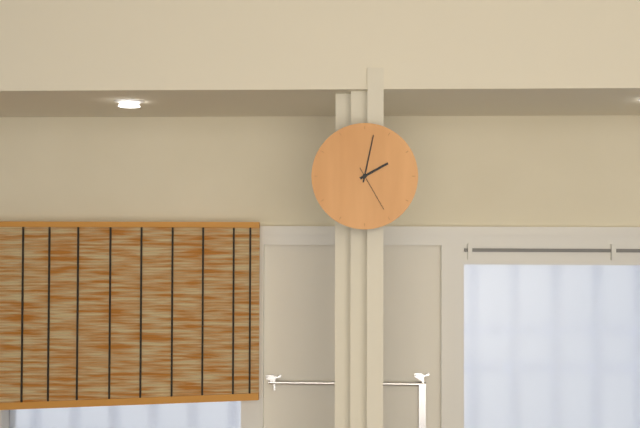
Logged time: {"hour": 2, "minute": 2}
